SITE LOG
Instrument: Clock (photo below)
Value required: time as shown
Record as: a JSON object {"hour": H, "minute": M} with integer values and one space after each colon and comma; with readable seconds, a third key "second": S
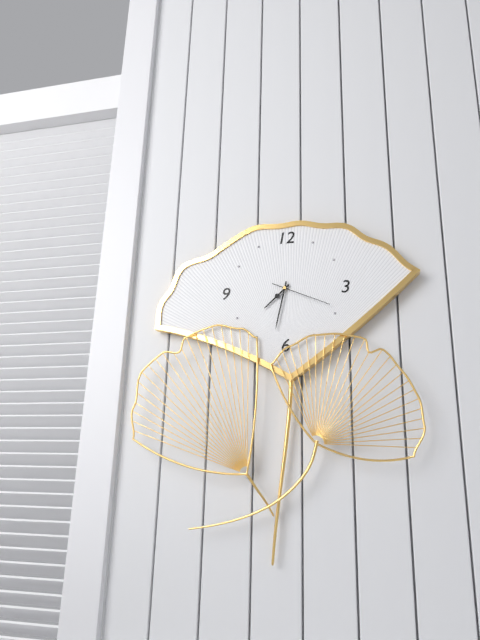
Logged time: {"hour": 7, "minute": 32, "second": 19}
